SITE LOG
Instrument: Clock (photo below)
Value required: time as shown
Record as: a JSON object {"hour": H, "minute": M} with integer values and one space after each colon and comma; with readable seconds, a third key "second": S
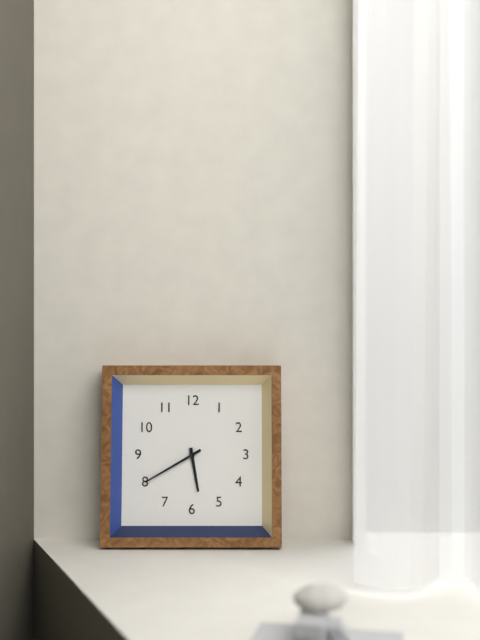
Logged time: {"hour": 5, "minute": 40}
